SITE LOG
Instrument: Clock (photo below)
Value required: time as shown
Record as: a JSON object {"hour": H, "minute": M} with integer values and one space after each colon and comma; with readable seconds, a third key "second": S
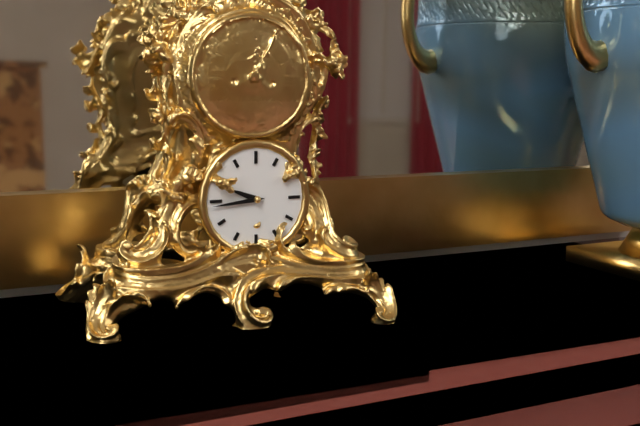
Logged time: {"hour": 9, "minute": 44}
